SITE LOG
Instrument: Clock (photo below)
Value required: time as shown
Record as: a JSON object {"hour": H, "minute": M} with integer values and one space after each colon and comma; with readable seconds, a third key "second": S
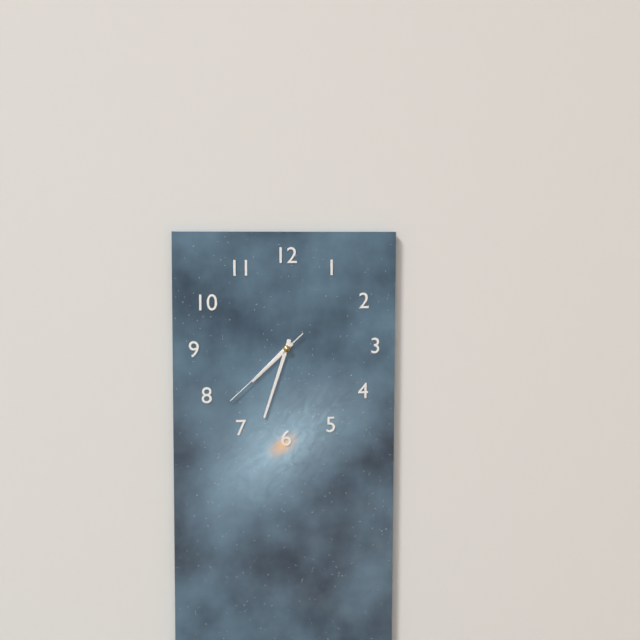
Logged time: {"hour": 7, "minute": 33, "second": 38}
